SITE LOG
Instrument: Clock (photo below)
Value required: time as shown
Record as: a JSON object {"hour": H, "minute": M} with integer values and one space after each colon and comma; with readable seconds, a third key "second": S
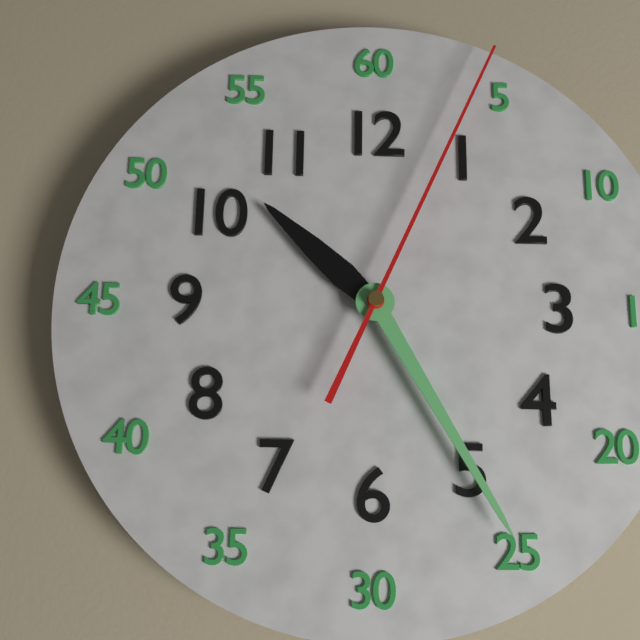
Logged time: {"hour": 10, "minute": 25, "second": 4}
